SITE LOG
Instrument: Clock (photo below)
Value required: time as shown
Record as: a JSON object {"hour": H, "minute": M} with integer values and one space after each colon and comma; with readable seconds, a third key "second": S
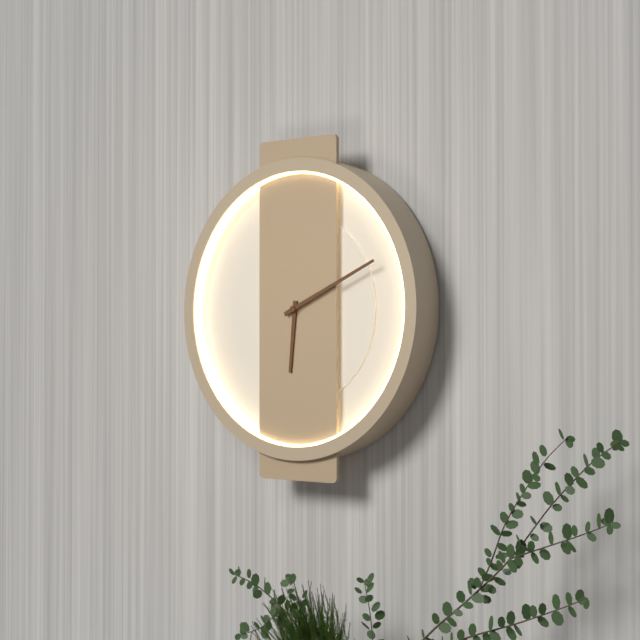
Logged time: {"hour": 6, "minute": 11}
